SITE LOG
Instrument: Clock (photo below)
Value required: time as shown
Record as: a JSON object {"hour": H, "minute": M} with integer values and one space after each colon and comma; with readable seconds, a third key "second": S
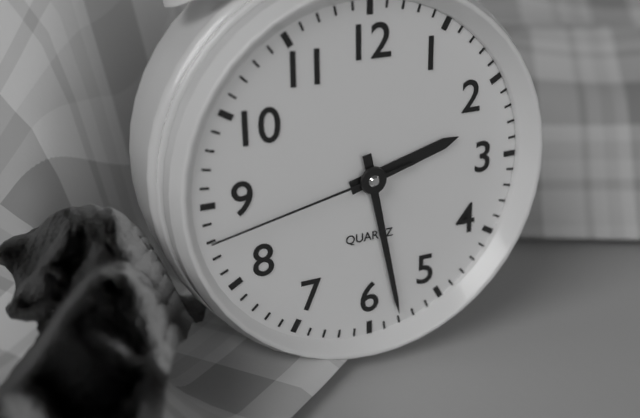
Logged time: {"hour": 2, "minute": 28, "second": 43}
